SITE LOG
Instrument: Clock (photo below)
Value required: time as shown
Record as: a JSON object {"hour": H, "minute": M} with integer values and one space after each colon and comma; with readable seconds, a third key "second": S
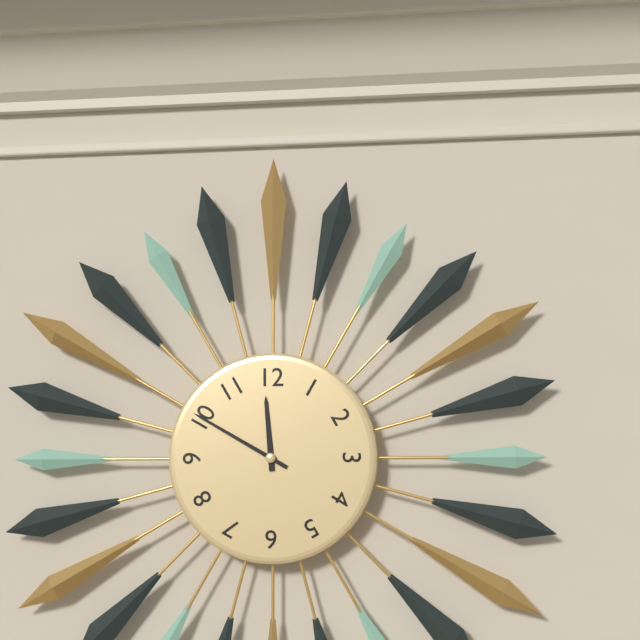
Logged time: {"hour": 11, "minute": 50}
